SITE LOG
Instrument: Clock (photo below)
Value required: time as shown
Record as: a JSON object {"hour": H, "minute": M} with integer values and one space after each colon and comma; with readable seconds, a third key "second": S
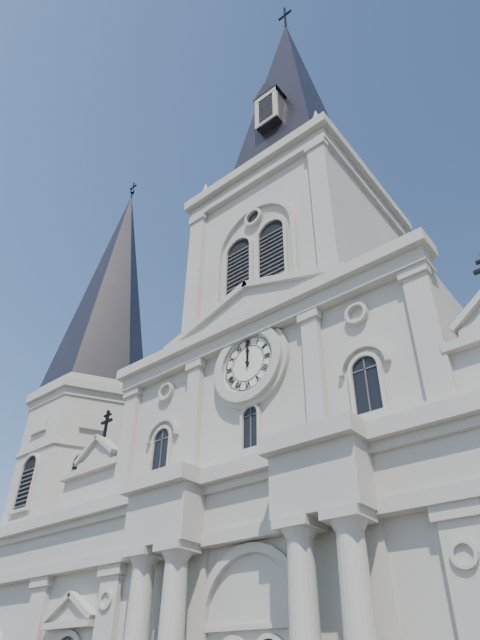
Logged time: {"hour": 12, "minute": 0}
